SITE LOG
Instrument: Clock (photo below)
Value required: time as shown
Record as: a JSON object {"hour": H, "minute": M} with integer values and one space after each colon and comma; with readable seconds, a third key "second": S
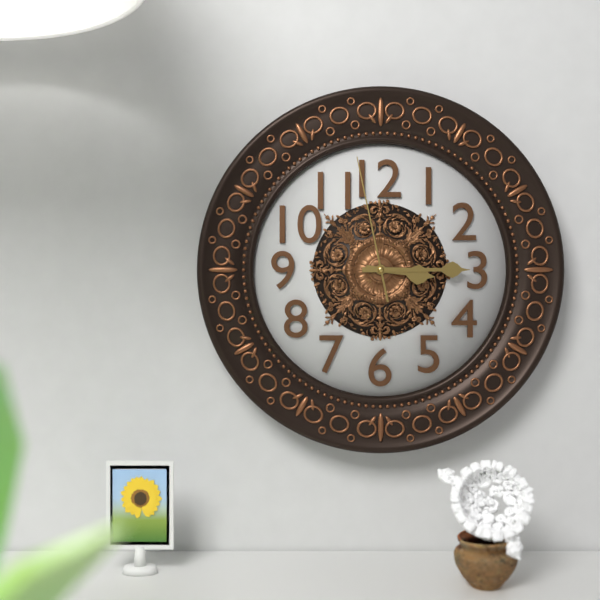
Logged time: {"hour": 3, "minute": 15, "second": 58}
